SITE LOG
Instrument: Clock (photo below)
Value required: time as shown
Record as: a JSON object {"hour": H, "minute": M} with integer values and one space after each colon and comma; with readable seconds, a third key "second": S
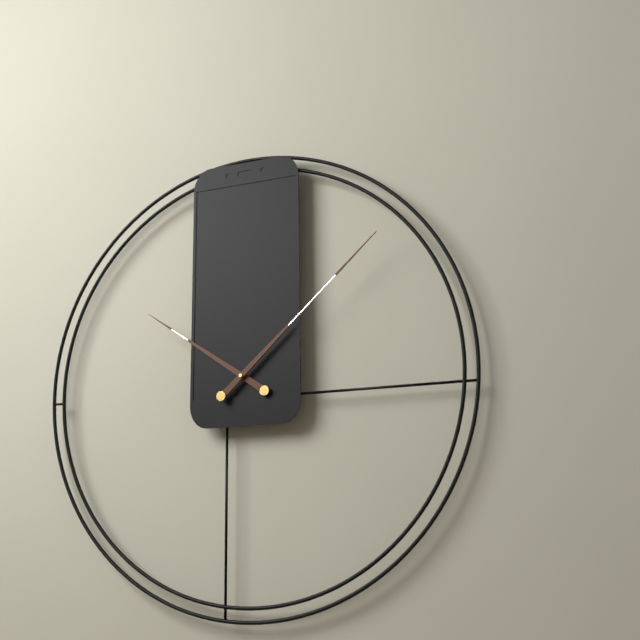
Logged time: {"hour": 10, "minute": 8}
